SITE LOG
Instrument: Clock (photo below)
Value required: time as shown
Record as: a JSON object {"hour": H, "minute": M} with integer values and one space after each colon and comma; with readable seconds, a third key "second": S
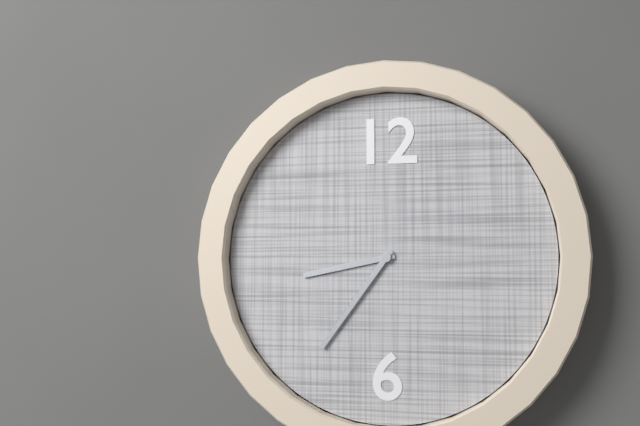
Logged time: {"hour": 8, "minute": 36}
